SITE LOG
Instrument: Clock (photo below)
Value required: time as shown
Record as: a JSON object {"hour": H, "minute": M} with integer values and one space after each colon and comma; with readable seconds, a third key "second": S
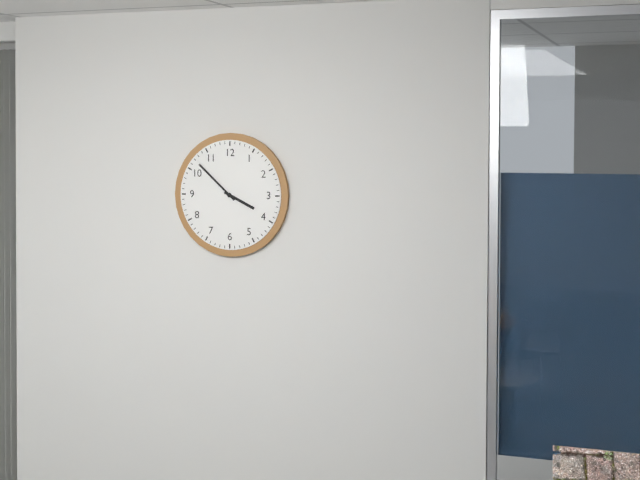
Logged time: {"hour": 3, "minute": 52}
